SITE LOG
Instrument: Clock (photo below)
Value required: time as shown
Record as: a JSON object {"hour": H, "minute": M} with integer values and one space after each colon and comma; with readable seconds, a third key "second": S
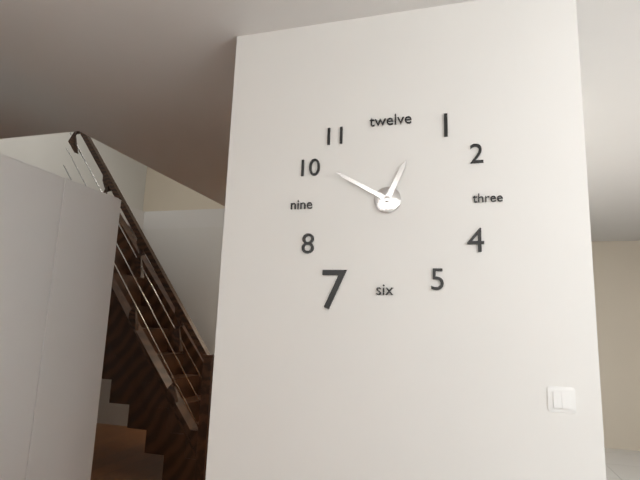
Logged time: {"hour": 12, "minute": 50}
